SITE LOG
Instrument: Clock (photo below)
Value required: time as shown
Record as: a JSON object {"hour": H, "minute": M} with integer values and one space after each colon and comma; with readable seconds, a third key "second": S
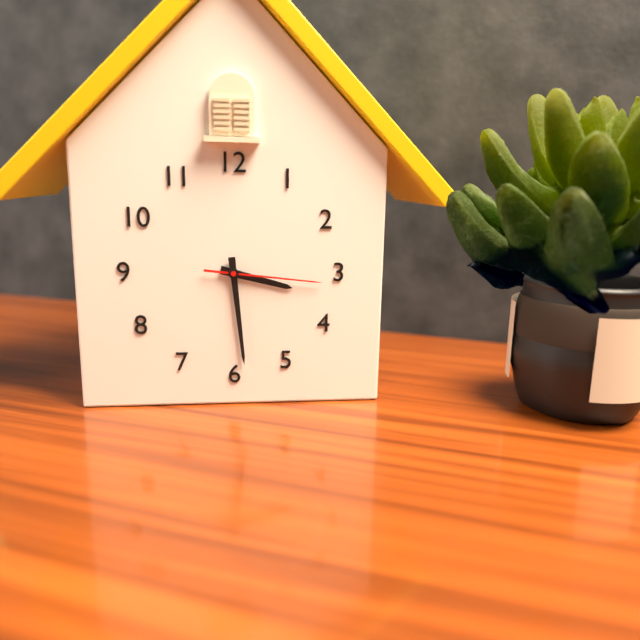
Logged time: {"hour": 3, "minute": 29, "second": 16}
